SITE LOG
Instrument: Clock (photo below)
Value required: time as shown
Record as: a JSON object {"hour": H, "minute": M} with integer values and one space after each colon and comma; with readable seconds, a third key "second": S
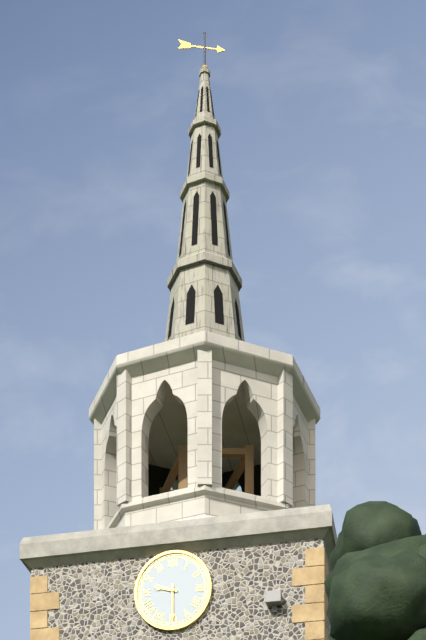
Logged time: {"hour": 9, "minute": 30}
